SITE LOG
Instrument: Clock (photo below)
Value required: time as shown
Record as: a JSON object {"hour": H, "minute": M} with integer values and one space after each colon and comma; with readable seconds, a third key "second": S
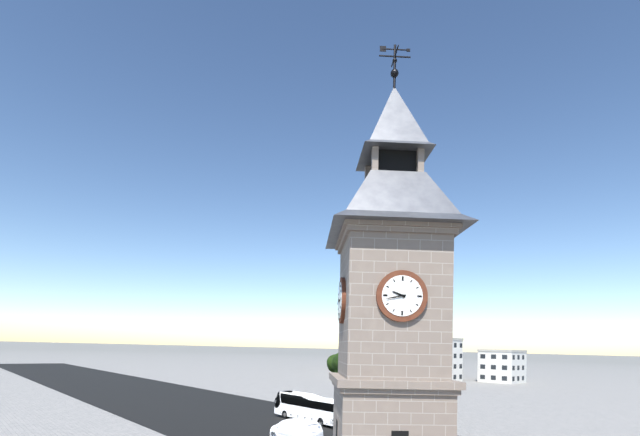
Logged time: {"hour": 9, "minute": 43}
